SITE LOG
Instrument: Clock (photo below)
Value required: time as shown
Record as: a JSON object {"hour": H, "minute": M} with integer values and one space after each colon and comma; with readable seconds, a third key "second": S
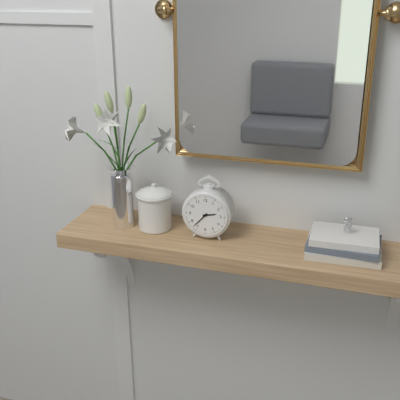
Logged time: {"hour": 2, "minute": 37}
